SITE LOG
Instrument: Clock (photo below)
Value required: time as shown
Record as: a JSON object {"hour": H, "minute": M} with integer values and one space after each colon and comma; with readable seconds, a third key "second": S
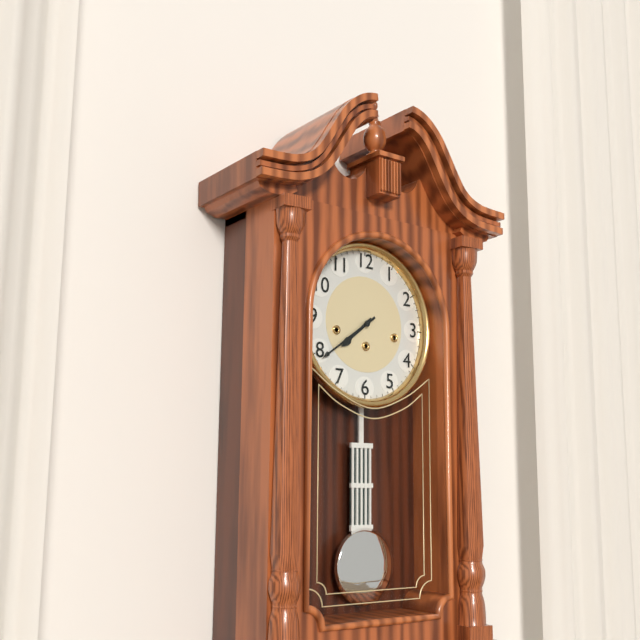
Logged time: {"hour": 7, "minute": 39}
